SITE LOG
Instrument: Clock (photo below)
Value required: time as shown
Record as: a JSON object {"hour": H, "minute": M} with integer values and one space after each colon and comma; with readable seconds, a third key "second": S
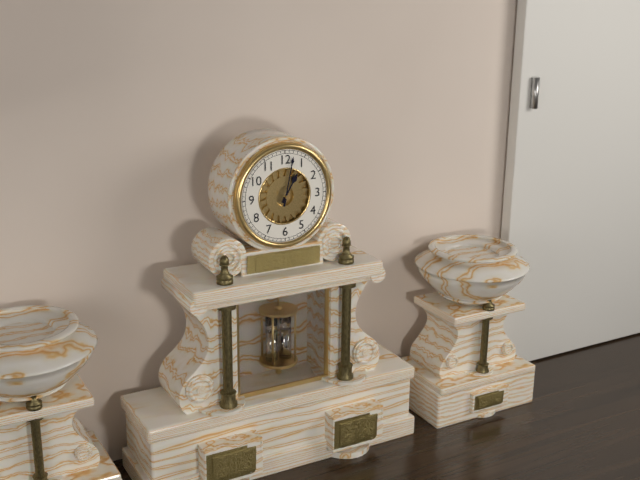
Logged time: {"hour": 1, "minute": 2}
